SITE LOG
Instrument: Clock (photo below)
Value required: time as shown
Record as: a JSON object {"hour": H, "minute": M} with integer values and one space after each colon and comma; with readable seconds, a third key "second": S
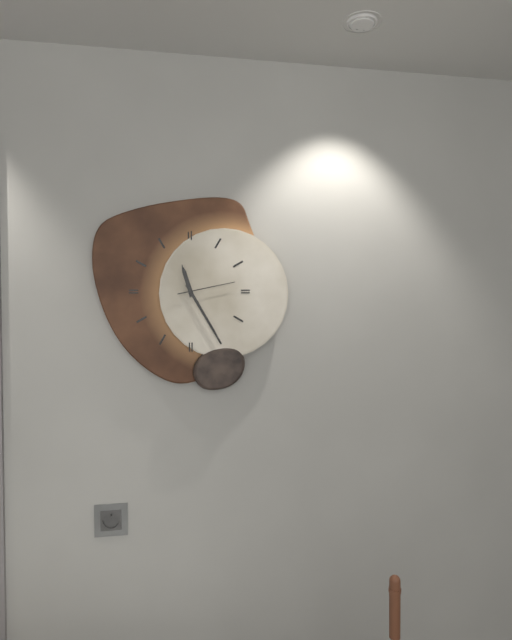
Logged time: {"hour": 11, "minute": 25, "second": 13}
